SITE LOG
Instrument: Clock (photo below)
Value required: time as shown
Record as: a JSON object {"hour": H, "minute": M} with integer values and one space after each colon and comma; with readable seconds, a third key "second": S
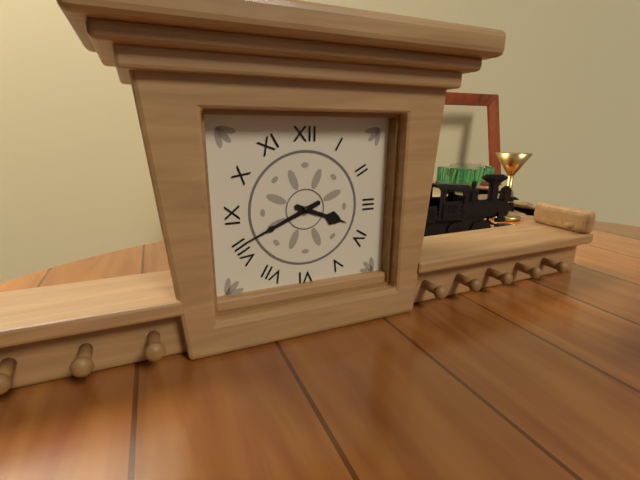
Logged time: {"hour": 3, "minute": 41}
